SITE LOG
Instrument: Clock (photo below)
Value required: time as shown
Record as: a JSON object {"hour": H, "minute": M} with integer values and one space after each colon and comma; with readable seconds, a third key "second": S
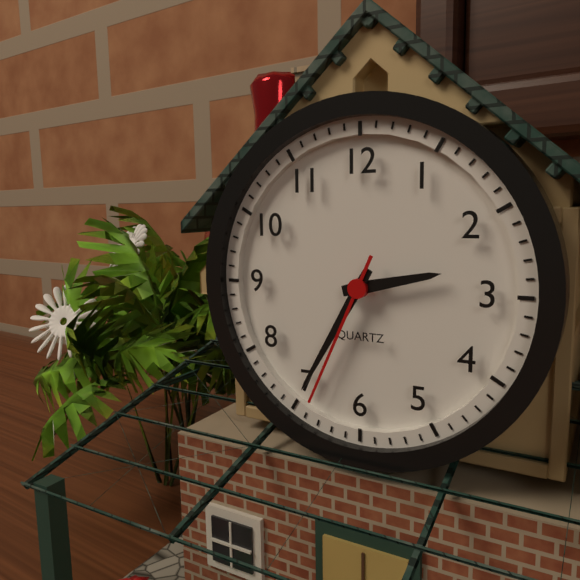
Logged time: {"hour": 2, "minute": 35, "second": 34}
